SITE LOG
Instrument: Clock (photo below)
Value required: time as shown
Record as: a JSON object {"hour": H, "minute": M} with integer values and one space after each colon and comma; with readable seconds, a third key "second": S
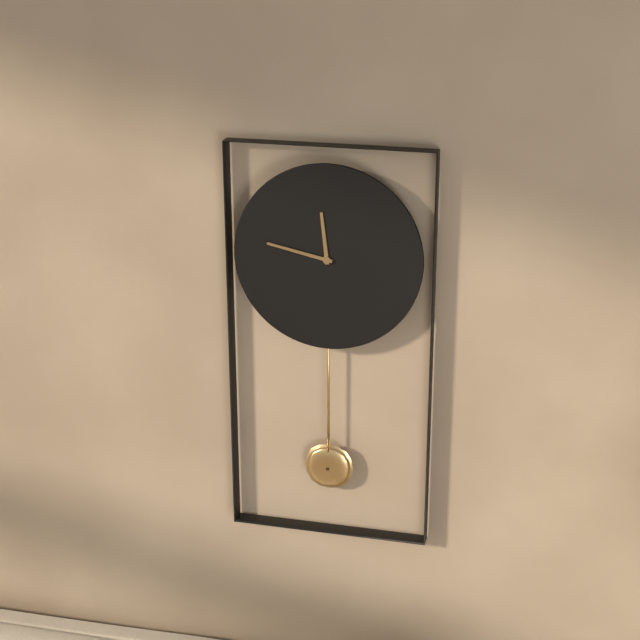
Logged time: {"hour": 11, "minute": 47}
